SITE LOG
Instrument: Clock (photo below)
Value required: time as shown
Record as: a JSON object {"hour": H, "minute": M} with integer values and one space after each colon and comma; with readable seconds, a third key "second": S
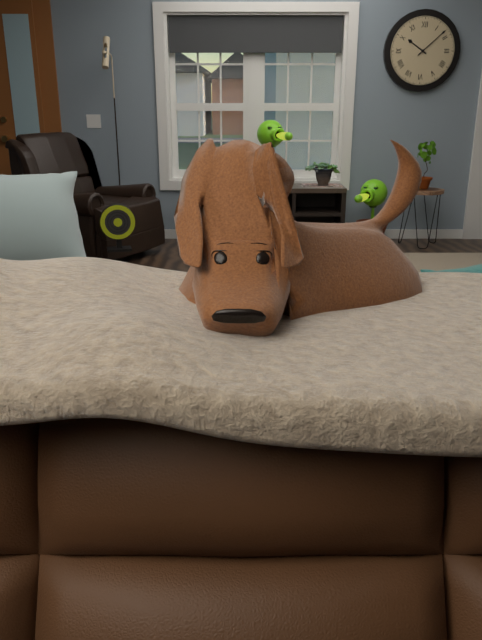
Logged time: {"hour": 10, "minute": 8}
